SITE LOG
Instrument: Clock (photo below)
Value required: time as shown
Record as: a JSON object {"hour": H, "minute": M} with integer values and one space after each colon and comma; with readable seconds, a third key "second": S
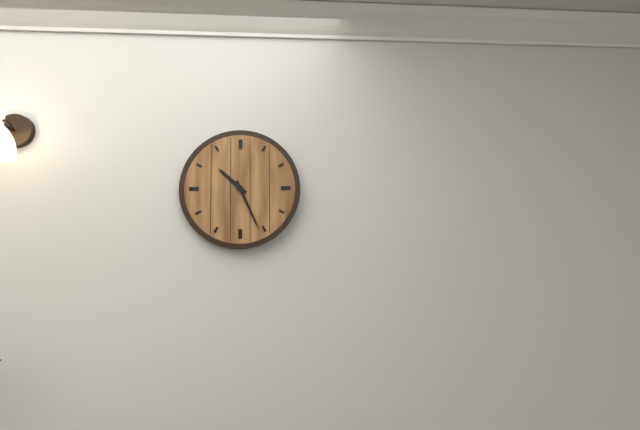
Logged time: {"hour": 10, "minute": 26}
